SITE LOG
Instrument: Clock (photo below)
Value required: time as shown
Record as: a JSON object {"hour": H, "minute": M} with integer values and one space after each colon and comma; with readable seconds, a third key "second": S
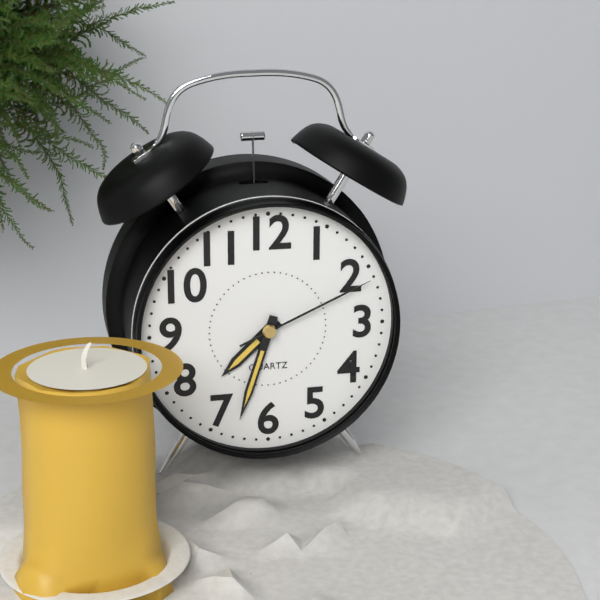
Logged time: {"hour": 7, "minute": 33, "second": 11}
